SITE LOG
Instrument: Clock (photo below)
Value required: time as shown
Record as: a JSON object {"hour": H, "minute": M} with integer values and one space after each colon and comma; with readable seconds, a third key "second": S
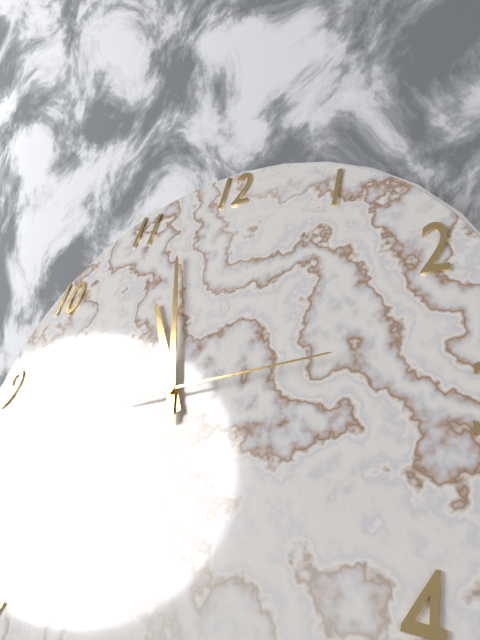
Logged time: {"hour": 10, "minute": 57, "second": 13}
